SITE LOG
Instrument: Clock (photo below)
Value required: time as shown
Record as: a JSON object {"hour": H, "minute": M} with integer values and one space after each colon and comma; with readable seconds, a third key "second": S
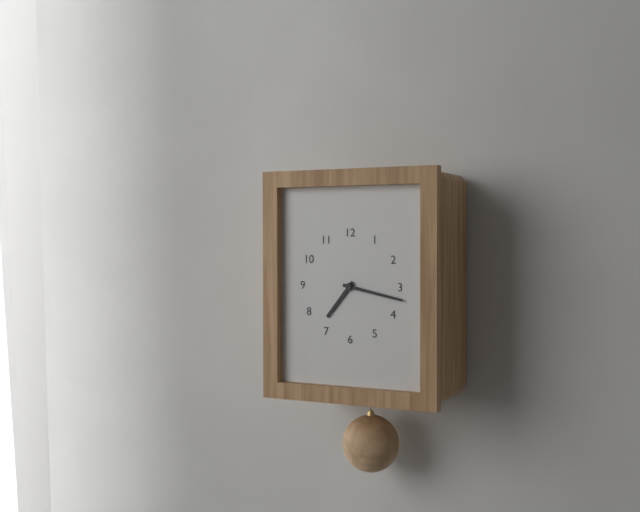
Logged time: {"hour": 7, "minute": 17}
